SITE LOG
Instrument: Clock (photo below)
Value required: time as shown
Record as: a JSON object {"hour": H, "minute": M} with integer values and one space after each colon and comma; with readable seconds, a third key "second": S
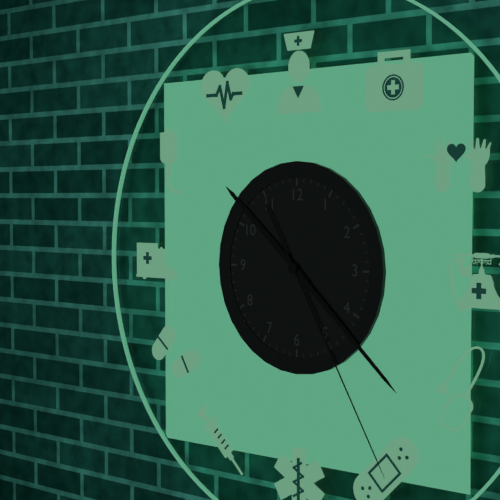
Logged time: {"hour": 10, "minute": 22, "second": 25}
